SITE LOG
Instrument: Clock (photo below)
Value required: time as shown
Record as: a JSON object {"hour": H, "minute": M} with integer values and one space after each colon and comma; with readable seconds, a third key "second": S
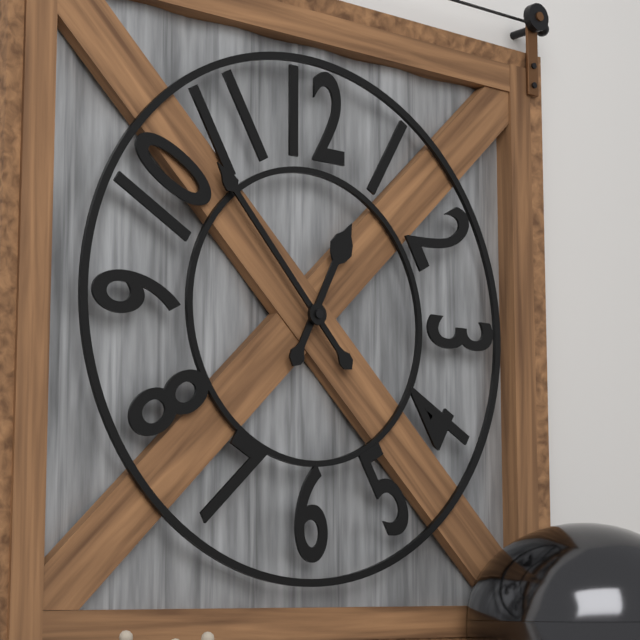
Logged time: {"hour": 12, "minute": 53}
